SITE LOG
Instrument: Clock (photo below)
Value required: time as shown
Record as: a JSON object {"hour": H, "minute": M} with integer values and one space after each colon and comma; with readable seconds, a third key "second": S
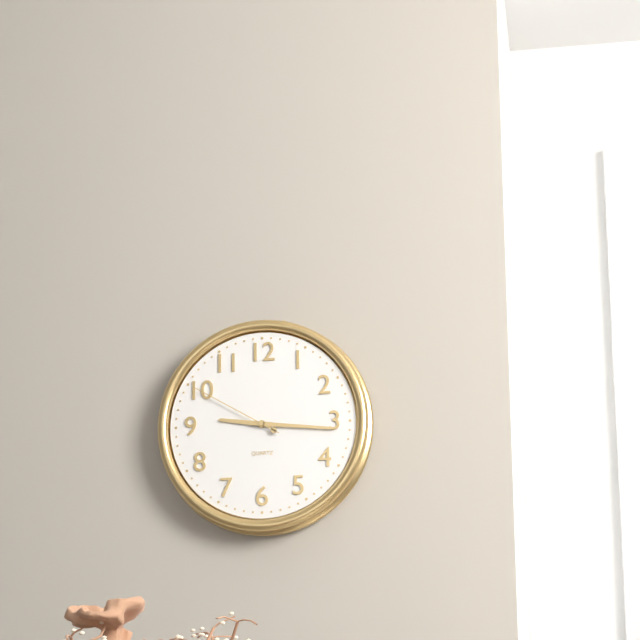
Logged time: {"hour": 9, "minute": 16, "second": 50}
